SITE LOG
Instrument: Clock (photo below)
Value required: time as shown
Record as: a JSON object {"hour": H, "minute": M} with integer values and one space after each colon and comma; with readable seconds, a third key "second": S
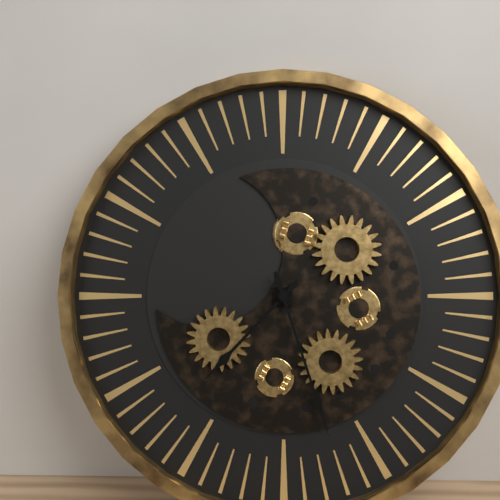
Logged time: {"hour": 7, "minute": 27}
